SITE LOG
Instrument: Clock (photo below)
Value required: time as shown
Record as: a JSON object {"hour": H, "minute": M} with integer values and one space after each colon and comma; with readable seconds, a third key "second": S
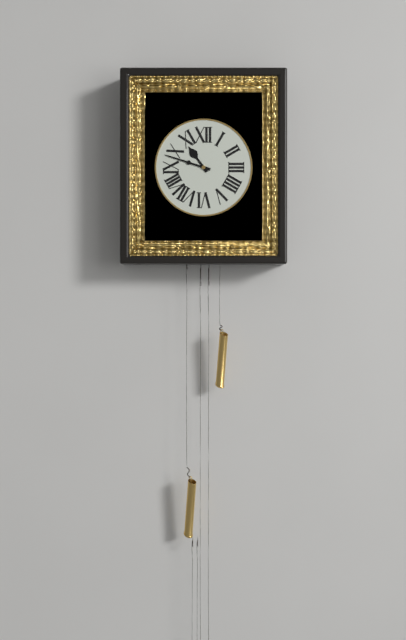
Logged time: {"hour": 10, "minute": 48}
